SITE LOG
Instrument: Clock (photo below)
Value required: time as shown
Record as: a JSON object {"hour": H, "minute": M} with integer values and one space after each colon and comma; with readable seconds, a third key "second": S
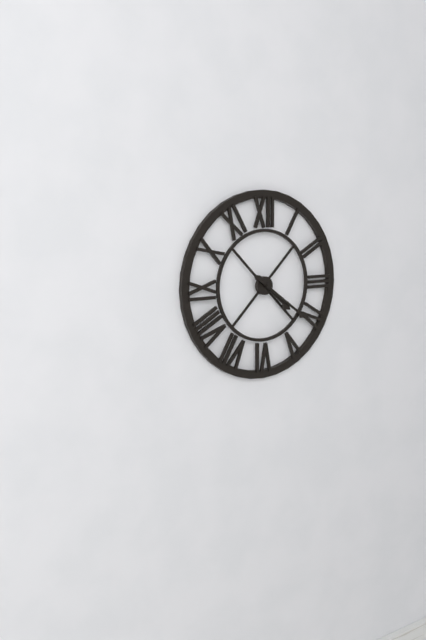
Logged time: {"hour": 4, "minute": 21}
